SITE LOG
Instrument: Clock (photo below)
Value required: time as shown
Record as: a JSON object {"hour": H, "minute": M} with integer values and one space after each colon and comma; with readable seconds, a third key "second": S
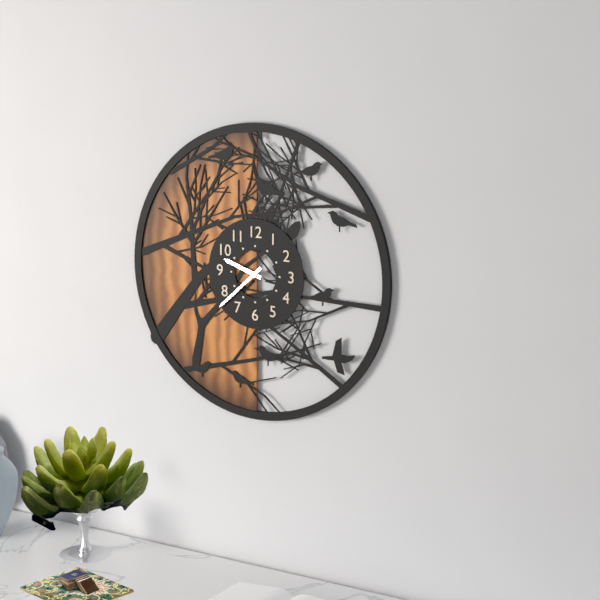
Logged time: {"hour": 9, "minute": 38}
